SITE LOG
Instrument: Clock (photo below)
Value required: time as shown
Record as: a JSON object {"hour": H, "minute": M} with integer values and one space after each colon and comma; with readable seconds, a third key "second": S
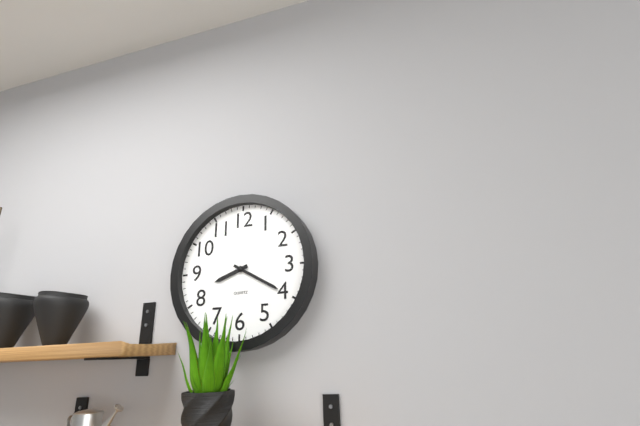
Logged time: {"hour": 8, "minute": 20}
